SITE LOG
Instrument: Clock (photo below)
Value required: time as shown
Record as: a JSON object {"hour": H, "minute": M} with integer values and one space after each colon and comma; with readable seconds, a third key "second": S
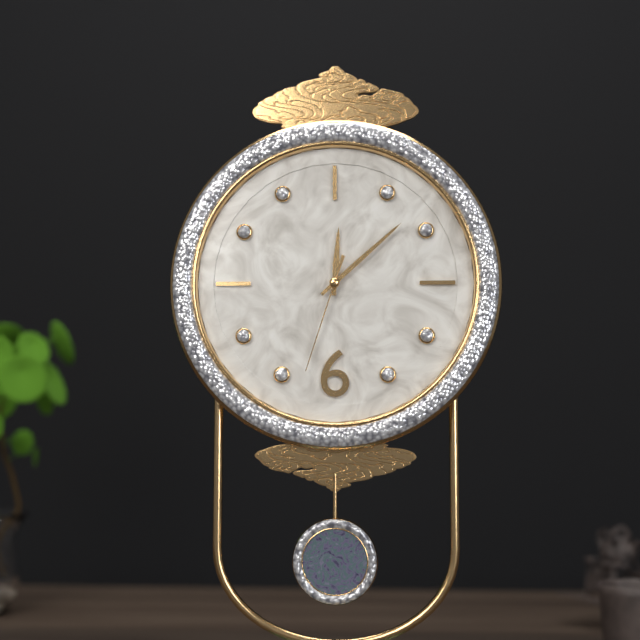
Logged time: {"hour": 12, "minute": 8, "second": 33}
